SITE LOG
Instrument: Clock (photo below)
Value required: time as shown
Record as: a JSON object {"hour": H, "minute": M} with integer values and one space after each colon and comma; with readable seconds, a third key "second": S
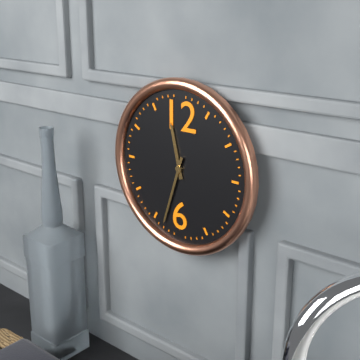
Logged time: {"hour": 11, "minute": 33}
